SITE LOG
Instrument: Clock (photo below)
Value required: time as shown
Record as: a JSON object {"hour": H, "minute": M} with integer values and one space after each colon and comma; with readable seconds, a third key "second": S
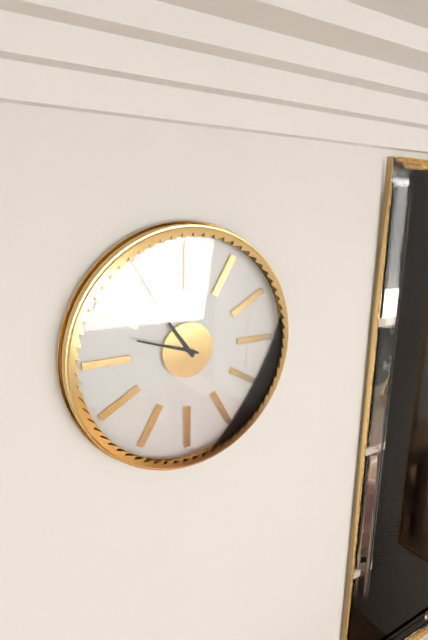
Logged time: {"hour": 10, "minute": 48}
